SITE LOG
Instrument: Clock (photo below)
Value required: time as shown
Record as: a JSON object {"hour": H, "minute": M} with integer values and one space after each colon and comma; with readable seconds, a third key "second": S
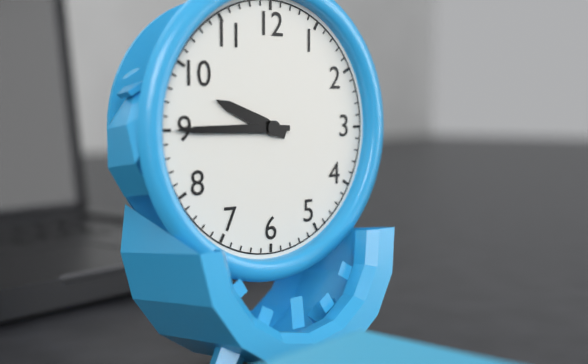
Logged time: {"hour": 9, "minute": 45}
